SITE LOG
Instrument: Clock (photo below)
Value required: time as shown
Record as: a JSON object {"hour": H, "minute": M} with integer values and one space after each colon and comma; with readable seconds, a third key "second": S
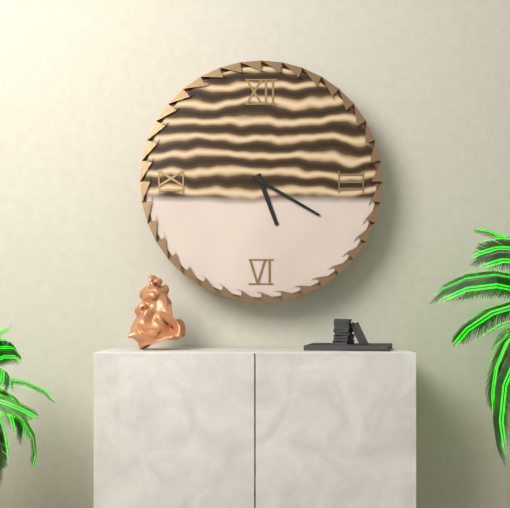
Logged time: {"hour": 5, "minute": 20}
